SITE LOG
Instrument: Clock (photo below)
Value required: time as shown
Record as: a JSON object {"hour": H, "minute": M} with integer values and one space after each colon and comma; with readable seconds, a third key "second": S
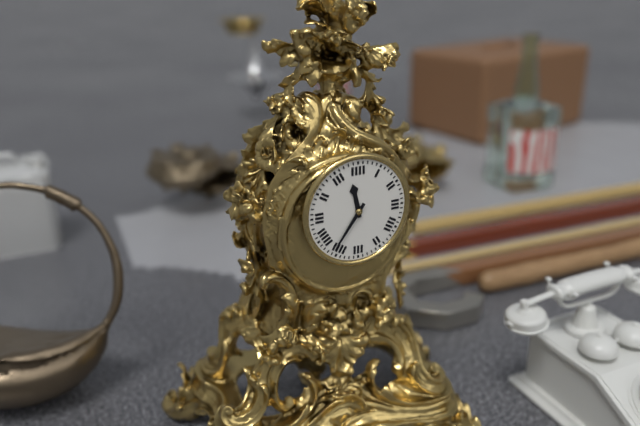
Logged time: {"hour": 11, "minute": 36}
